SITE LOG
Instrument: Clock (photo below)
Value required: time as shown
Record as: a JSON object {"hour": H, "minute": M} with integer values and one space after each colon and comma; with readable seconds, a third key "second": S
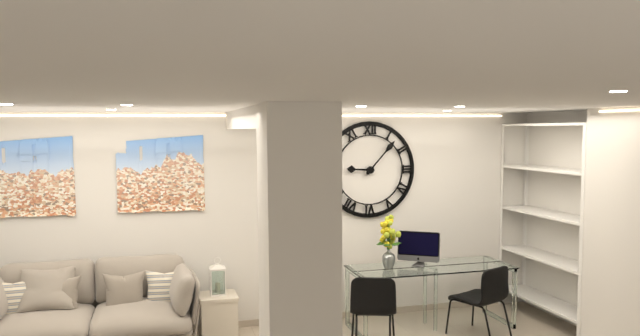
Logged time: {"hour": 9, "minute": 7}
